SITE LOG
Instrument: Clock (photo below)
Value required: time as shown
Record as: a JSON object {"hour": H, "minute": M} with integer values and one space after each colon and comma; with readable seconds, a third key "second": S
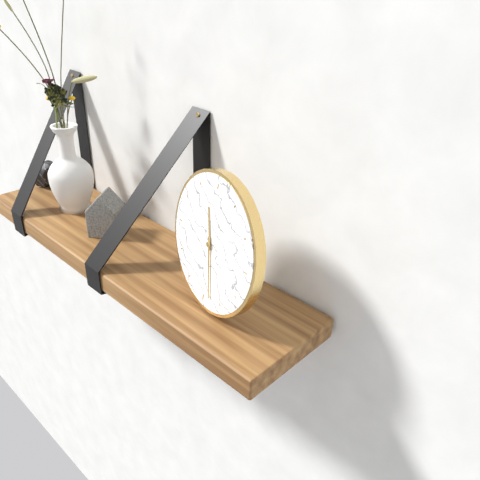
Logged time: {"hour": 11, "minute": 28}
